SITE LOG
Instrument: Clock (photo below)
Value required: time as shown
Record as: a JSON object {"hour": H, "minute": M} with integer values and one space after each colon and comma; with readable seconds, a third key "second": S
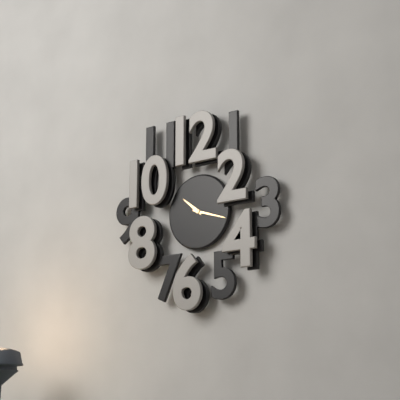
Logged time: {"hour": 10, "minute": 18}
